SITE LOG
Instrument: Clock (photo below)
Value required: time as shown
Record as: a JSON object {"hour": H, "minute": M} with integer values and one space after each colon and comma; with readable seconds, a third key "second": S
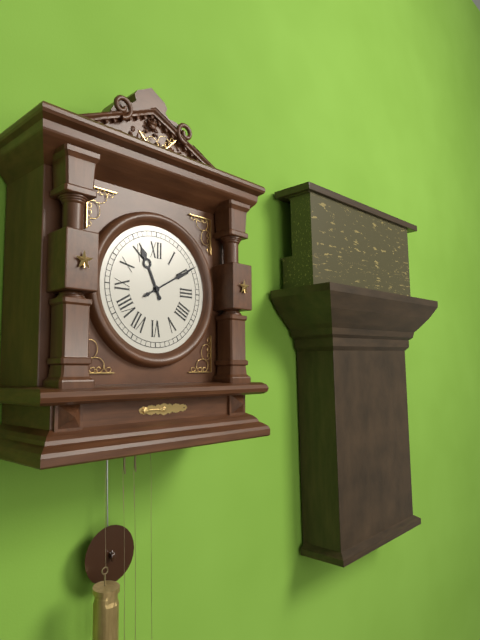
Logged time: {"hour": 11, "minute": 10}
